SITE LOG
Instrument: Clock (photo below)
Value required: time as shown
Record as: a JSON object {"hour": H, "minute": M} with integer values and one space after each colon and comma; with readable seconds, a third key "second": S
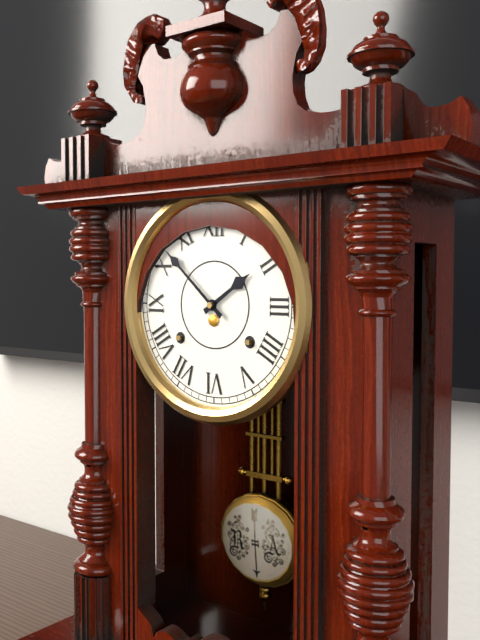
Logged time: {"hour": 1, "minute": 52}
